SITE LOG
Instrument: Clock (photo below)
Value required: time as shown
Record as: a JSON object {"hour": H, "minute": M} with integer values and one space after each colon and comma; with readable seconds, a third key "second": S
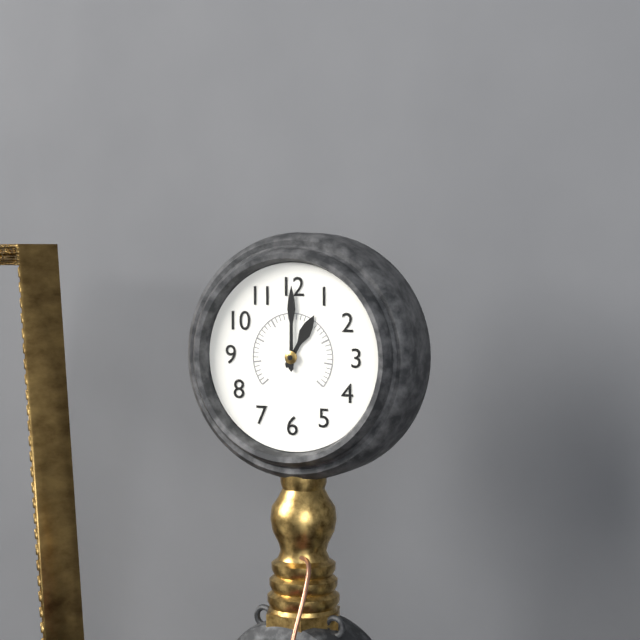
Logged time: {"hour": 1, "minute": 0}
